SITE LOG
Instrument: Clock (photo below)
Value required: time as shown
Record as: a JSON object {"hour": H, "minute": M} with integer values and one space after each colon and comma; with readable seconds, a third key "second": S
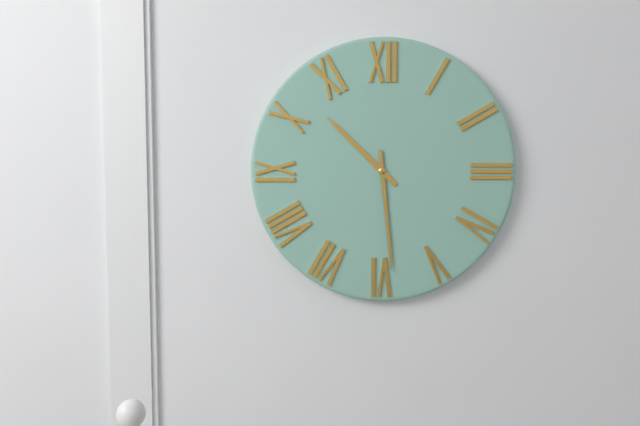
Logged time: {"hour": 10, "minute": 29}
